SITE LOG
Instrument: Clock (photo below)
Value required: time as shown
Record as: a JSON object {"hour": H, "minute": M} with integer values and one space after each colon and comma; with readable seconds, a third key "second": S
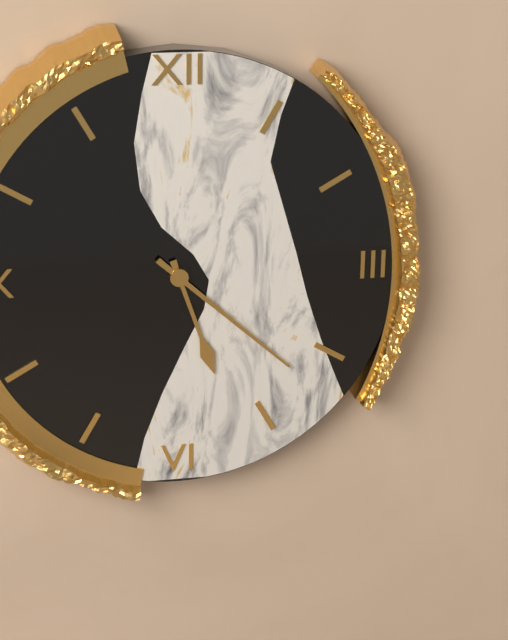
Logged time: {"hour": 5, "minute": 22}
